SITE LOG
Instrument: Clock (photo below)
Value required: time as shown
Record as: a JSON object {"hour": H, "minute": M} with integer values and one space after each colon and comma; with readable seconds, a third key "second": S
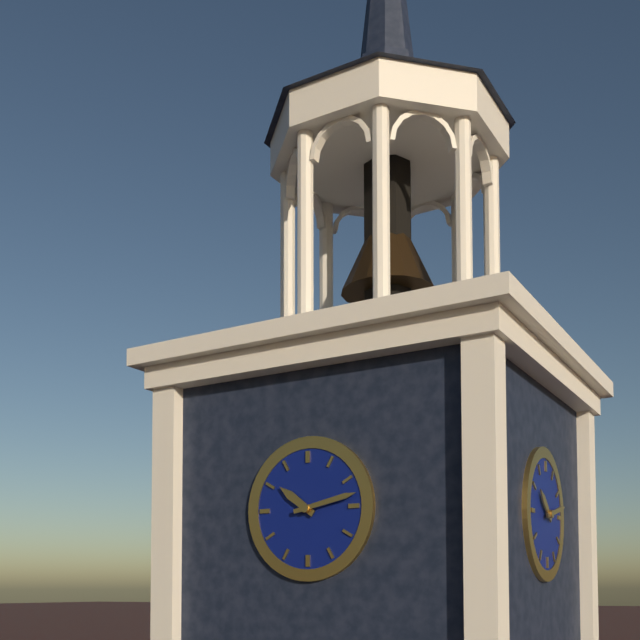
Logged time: {"hour": 10, "minute": 13}
